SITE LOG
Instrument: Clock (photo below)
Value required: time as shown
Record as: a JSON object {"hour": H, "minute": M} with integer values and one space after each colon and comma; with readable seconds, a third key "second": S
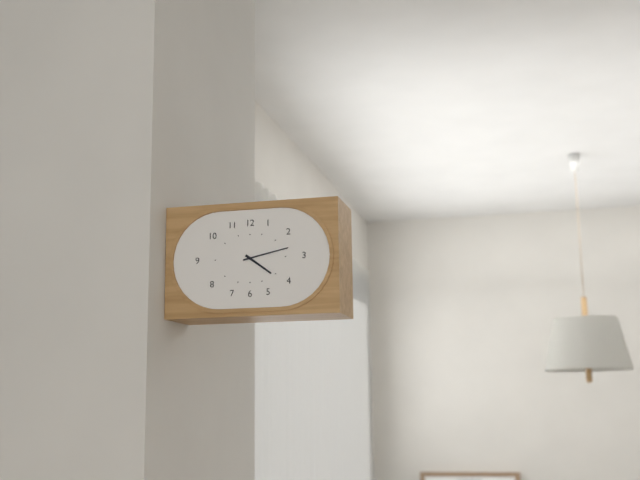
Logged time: {"hour": 4, "minute": 13}
